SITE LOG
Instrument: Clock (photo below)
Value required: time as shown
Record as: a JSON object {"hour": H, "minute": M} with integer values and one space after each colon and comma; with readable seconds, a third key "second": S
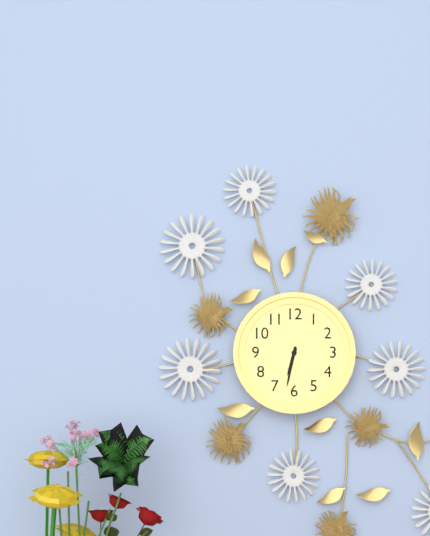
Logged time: {"hour": 6, "minute": 32}
